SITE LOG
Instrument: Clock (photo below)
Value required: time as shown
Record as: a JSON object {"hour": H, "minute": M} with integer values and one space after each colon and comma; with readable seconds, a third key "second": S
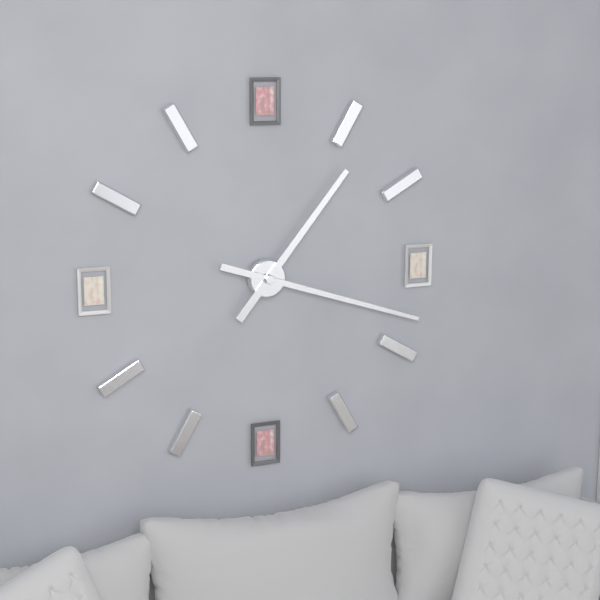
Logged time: {"hour": 1, "minute": 18}
